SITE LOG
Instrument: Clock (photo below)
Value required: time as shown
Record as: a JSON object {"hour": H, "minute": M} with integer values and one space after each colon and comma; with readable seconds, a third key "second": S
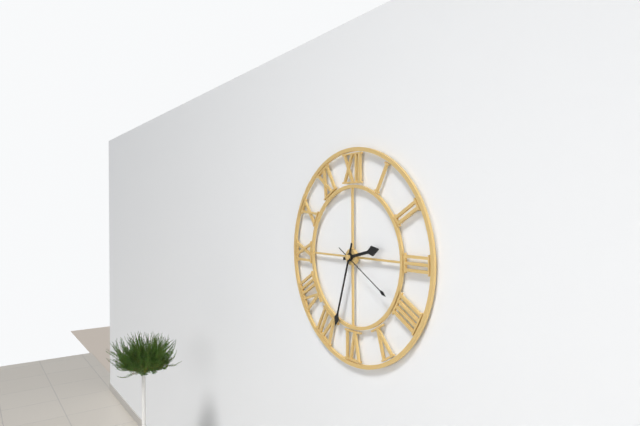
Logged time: {"hour": 2, "minute": 33, "second": 20}
